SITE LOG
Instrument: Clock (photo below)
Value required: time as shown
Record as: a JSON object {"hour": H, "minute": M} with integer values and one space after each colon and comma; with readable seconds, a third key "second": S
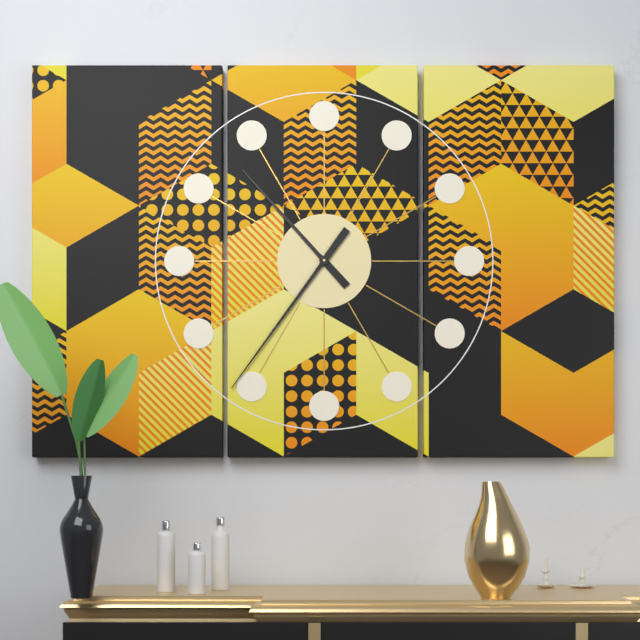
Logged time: {"hour": 10, "minute": 36}
